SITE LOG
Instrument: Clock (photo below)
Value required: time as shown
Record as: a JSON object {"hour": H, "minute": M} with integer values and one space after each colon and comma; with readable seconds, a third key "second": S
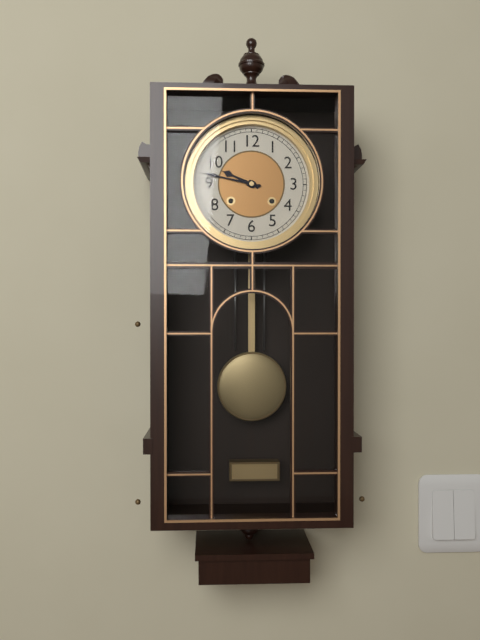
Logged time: {"hour": 9, "minute": 47}
